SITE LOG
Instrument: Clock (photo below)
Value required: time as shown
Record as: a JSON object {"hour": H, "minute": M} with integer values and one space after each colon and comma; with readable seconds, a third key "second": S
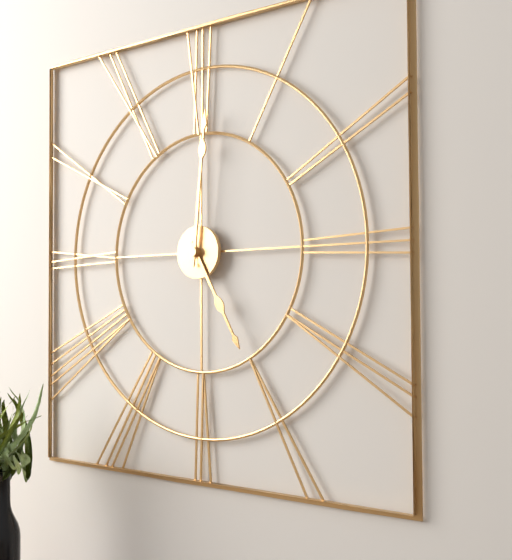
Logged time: {"hour": 5, "minute": 1}
